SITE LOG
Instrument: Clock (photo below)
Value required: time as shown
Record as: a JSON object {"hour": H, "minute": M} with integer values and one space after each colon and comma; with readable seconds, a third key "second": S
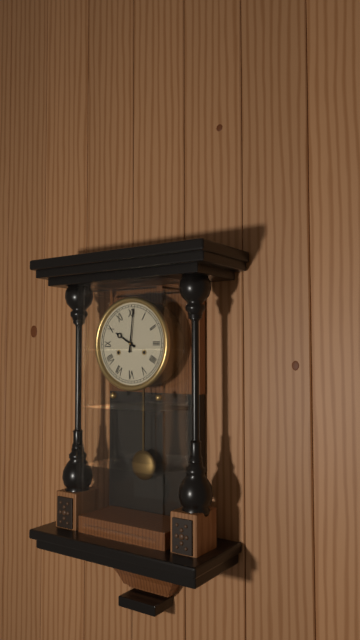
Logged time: {"hour": 10, "minute": 1}
